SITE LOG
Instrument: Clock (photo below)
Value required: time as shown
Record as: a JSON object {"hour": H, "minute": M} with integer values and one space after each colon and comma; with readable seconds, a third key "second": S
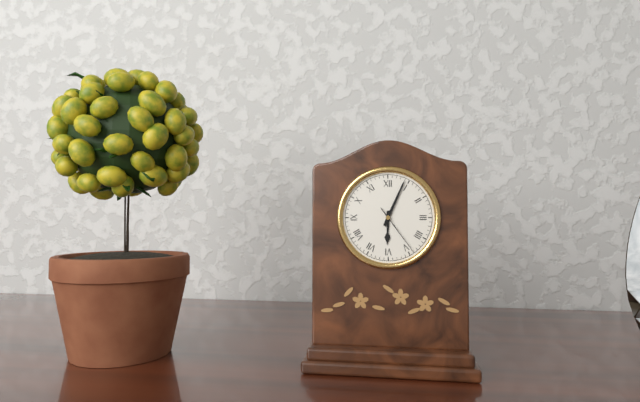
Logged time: {"hour": 6, "minute": 4, "second": 24}
